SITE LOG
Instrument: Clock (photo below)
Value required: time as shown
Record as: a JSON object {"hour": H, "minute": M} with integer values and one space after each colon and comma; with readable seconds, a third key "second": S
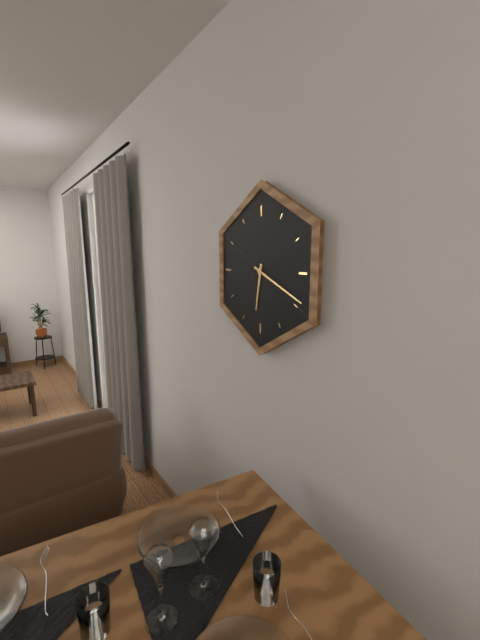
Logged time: {"hour": 6, "minute": 19}
